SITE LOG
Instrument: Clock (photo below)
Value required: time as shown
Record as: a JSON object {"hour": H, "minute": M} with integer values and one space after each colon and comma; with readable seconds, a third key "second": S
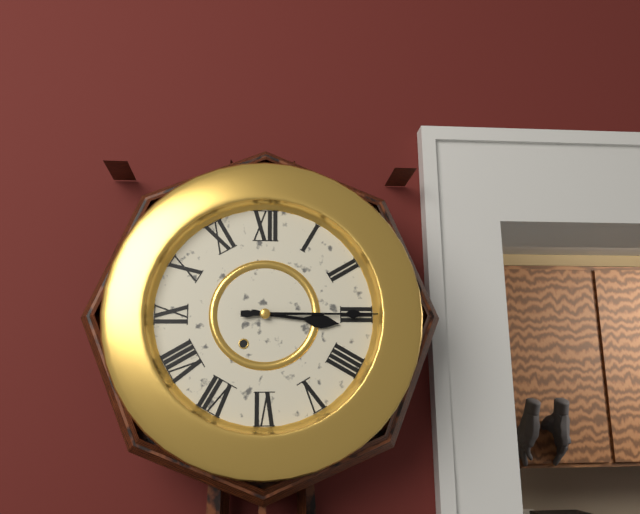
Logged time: {"hour": 3, "minute": 15}
